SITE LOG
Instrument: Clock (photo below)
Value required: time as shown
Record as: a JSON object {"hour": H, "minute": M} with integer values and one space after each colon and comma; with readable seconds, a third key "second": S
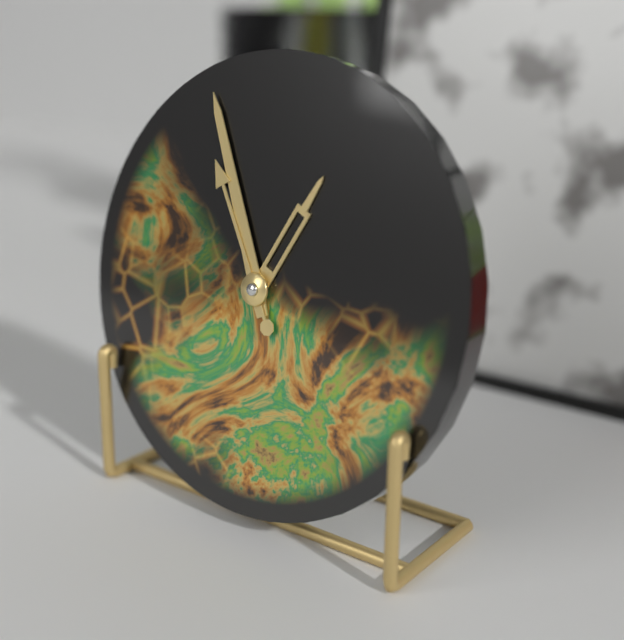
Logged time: {"hour": 12, "minute": 56, "second": 55}
